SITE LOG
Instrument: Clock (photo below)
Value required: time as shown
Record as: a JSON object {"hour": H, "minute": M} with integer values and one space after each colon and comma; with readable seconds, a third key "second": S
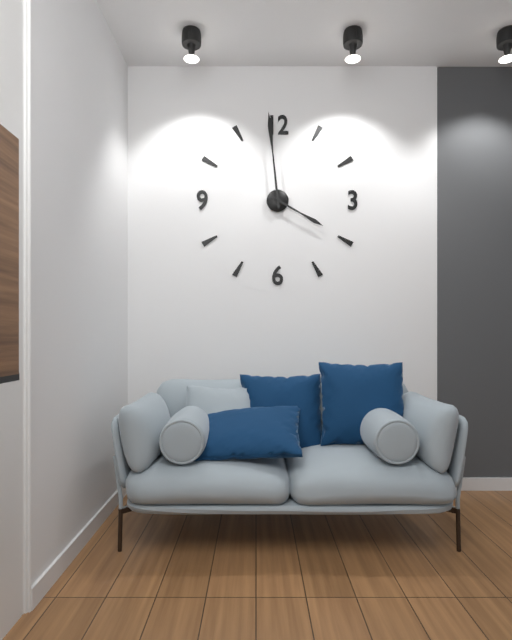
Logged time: {"hour": 3, "minute": 59}
